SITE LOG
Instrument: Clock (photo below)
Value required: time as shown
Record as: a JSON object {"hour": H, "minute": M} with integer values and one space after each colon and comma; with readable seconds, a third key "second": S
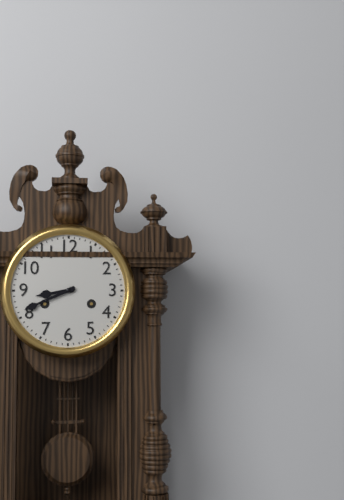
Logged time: {"hour": 8, "minute": 41}
